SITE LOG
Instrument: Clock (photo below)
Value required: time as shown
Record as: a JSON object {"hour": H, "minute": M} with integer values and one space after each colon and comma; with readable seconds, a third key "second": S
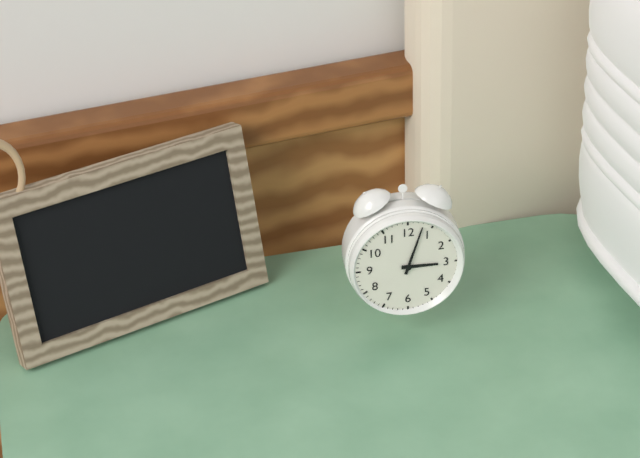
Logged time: {"hour": 3, "minute": 3}
